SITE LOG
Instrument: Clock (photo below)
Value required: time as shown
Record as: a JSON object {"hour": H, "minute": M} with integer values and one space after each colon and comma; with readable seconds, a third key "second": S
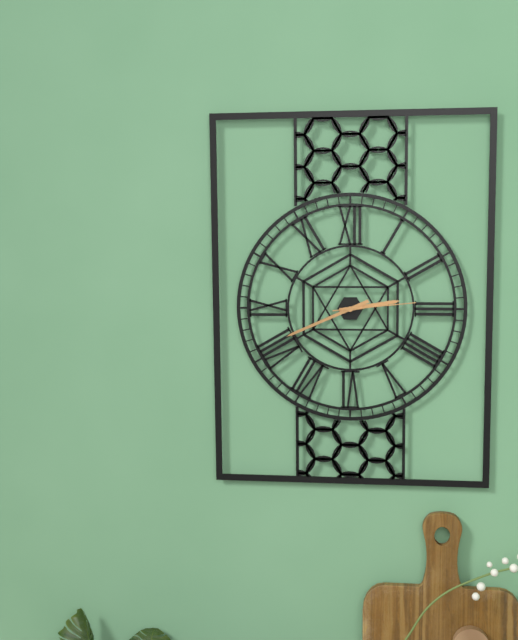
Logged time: {"hour": 2, "minute": 41, "second": 14}
